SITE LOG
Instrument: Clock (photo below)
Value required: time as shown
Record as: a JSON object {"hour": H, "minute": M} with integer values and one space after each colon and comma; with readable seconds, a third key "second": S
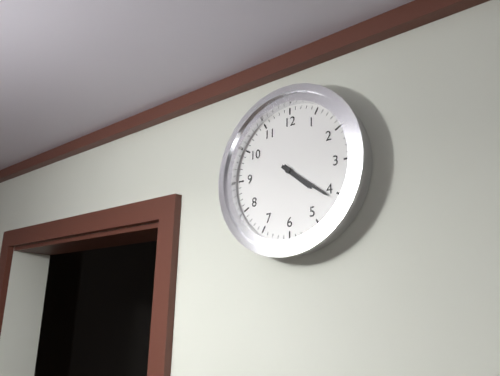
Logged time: {"hour": 4, "minute": 21}
